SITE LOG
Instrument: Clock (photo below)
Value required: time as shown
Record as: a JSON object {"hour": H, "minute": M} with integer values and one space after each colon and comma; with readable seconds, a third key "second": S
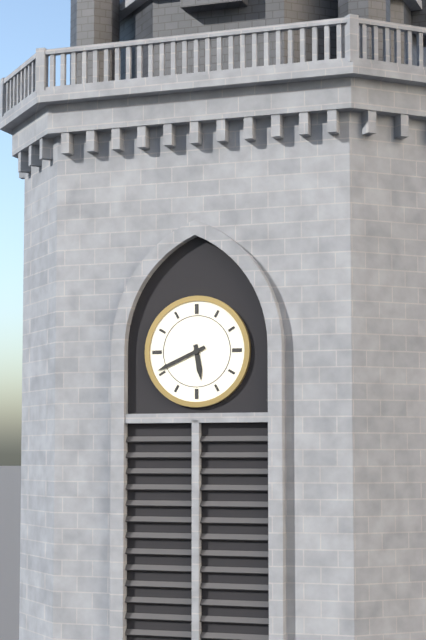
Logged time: {"hour": 5, "minute": 41}
